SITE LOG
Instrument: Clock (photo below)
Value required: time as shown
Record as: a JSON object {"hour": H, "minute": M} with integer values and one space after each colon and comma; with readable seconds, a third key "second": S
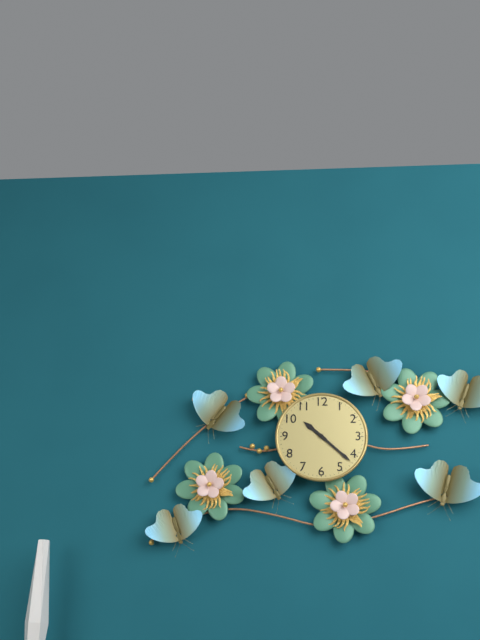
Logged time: {"hour": 10, "minute": 22}
